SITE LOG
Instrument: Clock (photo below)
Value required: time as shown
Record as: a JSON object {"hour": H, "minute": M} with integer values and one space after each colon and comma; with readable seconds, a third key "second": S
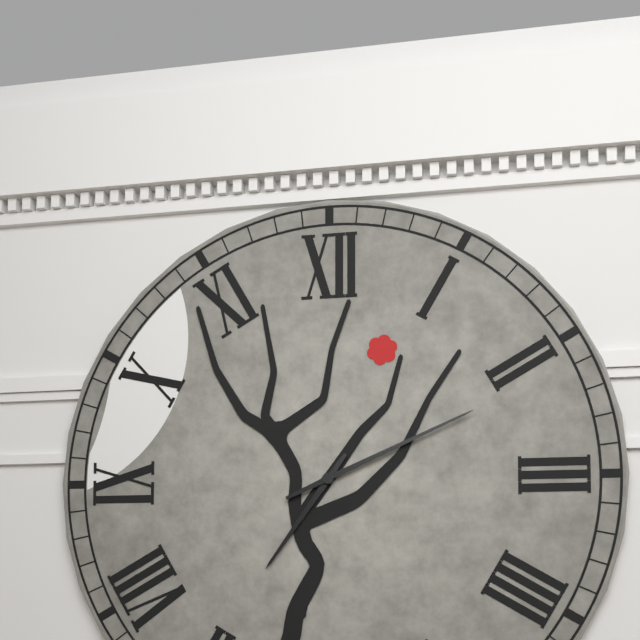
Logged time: {"hour": 7, "minute": 11}
